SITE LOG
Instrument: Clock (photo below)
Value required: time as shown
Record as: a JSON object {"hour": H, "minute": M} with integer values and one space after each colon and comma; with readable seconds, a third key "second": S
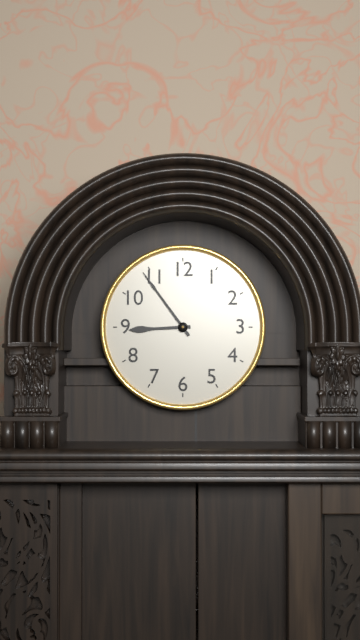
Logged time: {"hour": 8, "minute": 54}
